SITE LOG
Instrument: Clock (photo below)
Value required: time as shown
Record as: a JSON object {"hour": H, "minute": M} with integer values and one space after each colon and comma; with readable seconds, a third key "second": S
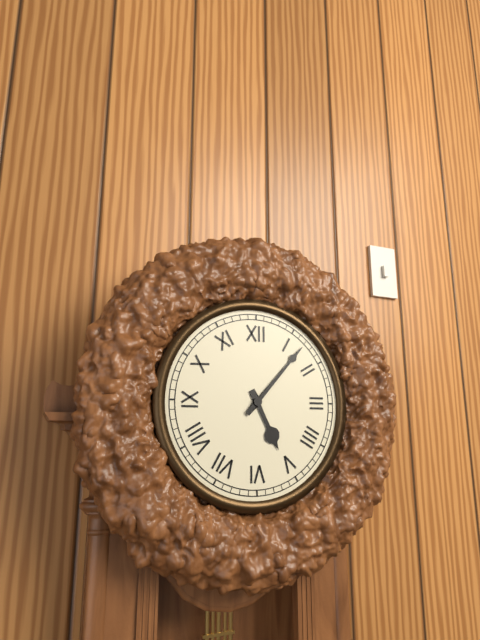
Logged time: {"hour": 5, "minute": 7}
